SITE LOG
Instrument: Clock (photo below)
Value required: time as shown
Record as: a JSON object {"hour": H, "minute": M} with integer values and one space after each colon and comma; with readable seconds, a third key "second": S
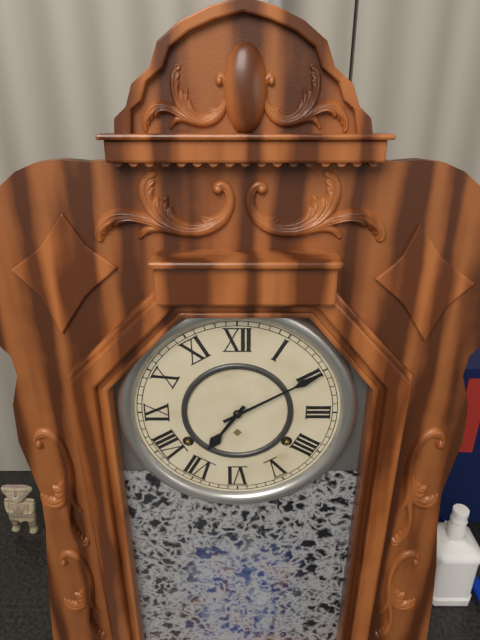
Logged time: {"hour": 7, "minute": 10}
